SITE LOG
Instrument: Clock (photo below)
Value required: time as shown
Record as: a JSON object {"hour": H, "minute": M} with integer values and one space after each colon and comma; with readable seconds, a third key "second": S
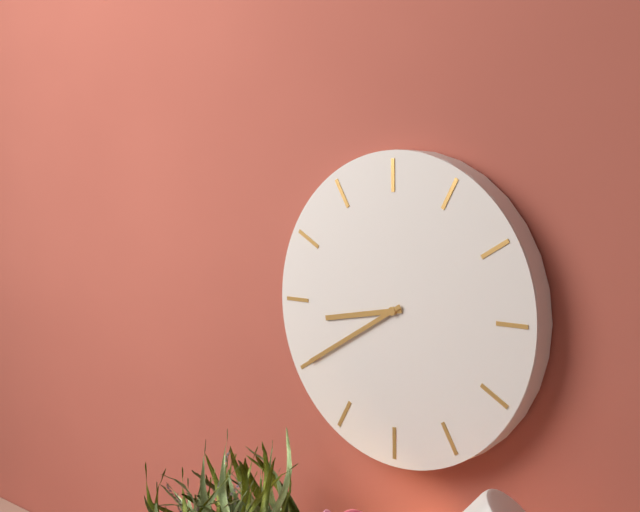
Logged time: {"hour": 8, "minute": 40}
